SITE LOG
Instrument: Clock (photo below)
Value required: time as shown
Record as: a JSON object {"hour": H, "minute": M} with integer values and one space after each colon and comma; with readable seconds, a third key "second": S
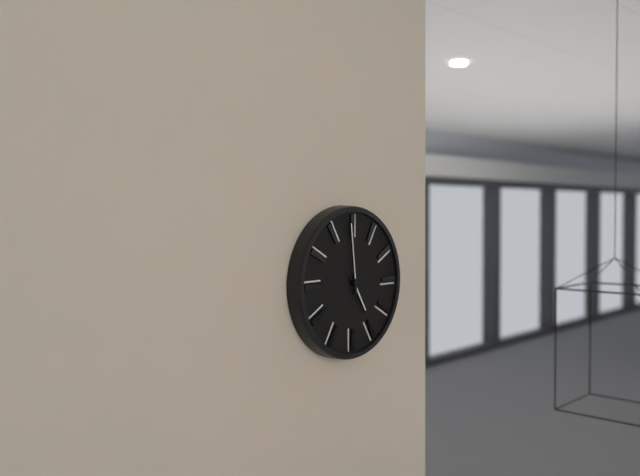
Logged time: {"hour": 4, "minute": 59}
